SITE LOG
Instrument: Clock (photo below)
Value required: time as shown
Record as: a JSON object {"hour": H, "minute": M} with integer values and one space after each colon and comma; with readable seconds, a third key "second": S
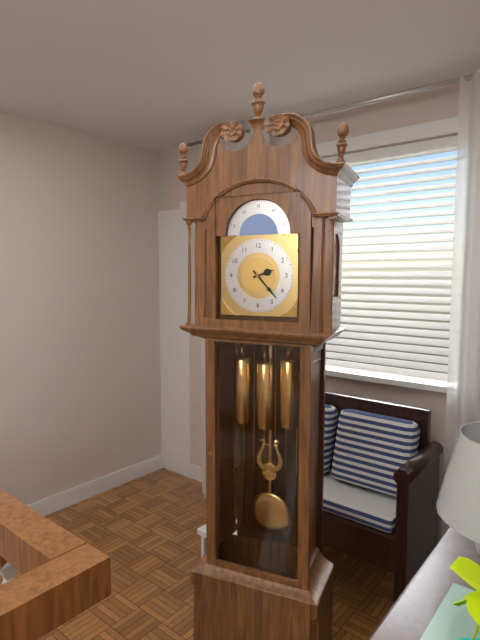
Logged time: {"hour": 2, "minute": 23}
